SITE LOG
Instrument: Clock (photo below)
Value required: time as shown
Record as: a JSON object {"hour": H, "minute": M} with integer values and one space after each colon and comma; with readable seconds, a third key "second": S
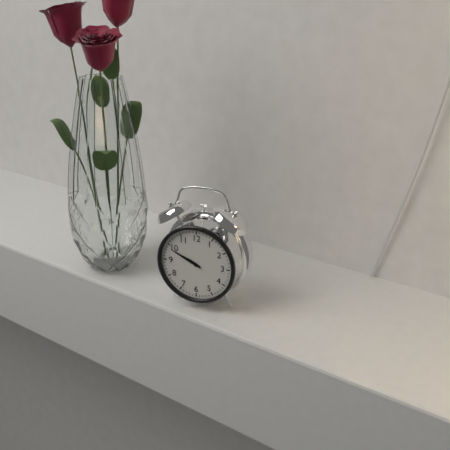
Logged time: {"hour": 9, "minute": 49}
